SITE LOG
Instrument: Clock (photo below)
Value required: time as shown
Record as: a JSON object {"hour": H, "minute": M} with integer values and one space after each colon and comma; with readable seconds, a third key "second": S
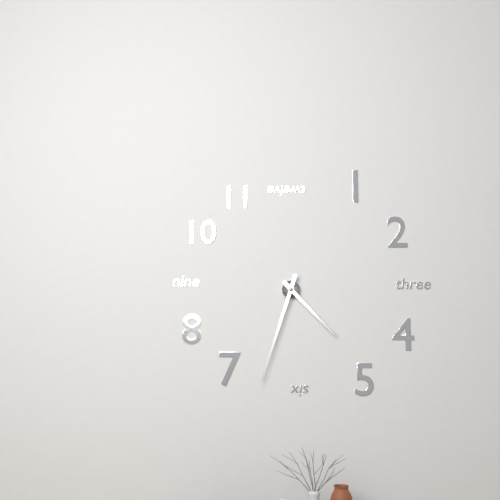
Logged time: {"hour": 4, "minute": 33}
